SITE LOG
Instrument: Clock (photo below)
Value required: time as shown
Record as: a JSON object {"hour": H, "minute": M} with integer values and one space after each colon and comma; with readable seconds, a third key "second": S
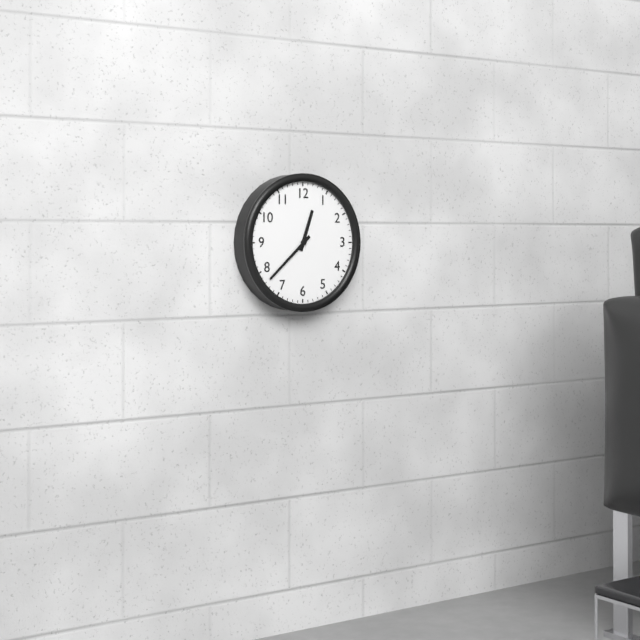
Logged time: {"hour": 12, "minute": 38}
